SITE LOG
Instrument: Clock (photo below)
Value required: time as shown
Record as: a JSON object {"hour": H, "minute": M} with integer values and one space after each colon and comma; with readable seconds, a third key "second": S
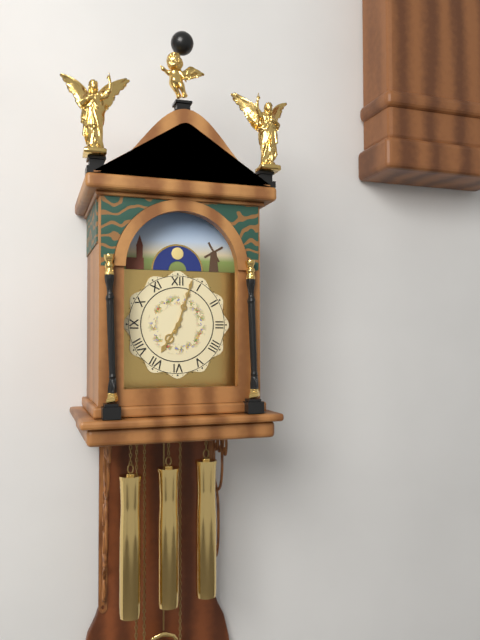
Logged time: {"hour": 7, "minute": 3}
